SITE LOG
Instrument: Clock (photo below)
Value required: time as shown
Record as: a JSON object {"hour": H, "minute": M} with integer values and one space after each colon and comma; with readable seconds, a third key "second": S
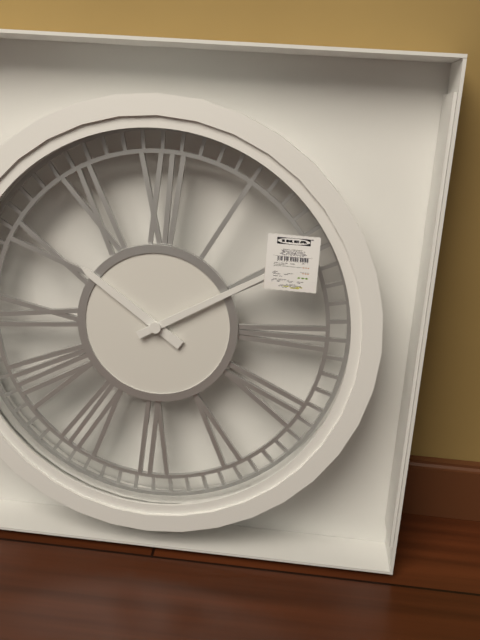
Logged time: {"hour": 10, "minute": 10}
